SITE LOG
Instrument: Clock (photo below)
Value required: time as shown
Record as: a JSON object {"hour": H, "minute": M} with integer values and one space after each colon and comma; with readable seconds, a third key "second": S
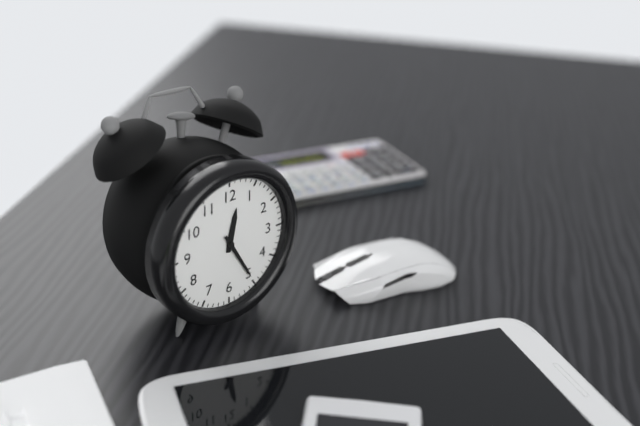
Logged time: {"hour": 12, "minute": 25}
